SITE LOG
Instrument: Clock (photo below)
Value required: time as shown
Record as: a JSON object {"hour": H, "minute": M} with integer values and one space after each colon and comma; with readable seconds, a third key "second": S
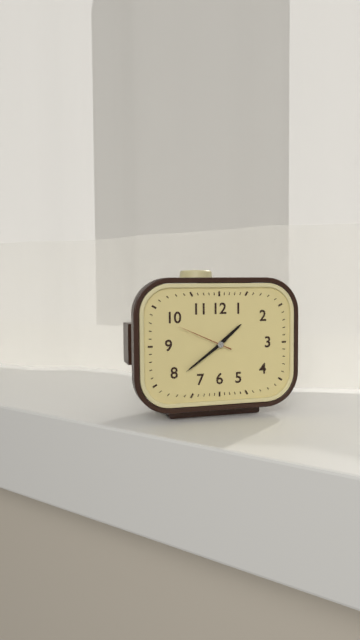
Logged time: {"hour": 1, "minute": 39, "second": 49}
